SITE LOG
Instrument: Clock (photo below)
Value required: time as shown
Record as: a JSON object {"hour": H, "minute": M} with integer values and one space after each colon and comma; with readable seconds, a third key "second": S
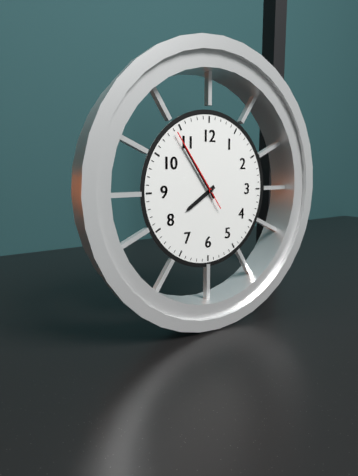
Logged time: {"hour": 7, "minute": 54, "second": 54}
